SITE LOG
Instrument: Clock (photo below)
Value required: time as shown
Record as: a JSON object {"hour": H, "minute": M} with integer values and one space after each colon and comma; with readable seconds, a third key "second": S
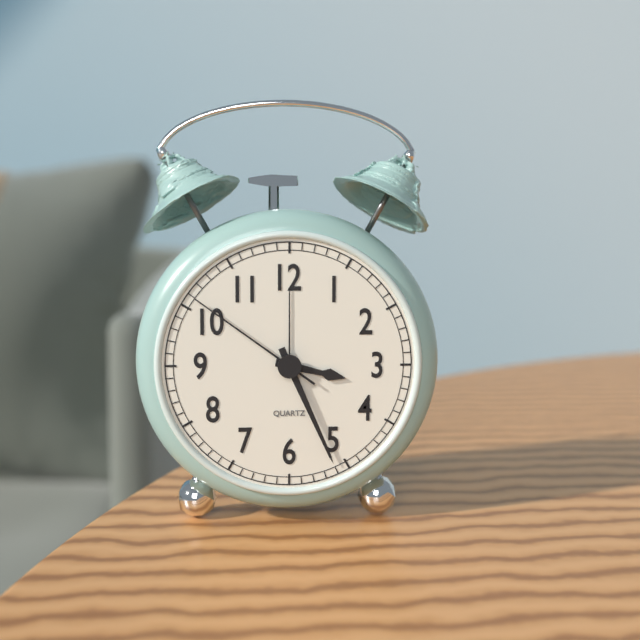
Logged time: {"hour": 3, "minute": 26, "second": 51}
